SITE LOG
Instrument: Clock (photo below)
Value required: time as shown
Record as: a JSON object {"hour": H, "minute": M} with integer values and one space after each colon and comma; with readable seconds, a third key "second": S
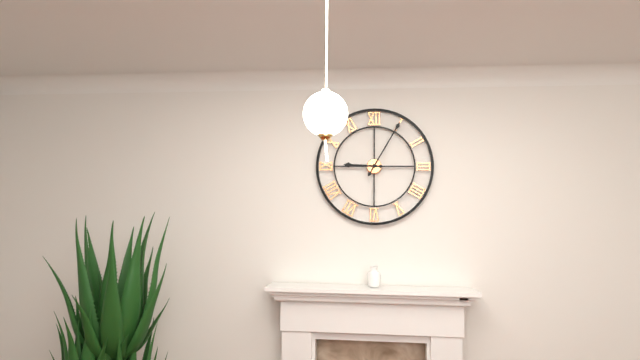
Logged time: {"hour": 9, "minute": 5}
